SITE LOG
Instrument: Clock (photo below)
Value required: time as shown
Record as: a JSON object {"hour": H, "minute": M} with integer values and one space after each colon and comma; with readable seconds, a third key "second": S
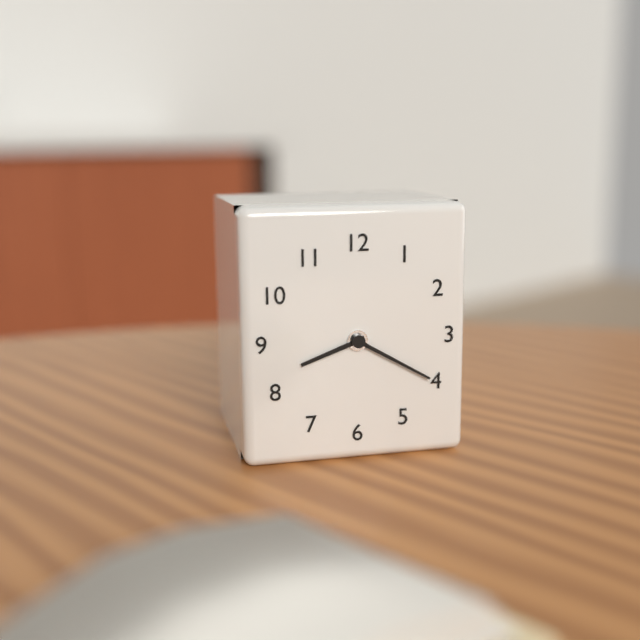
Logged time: {"hour": 8, "minute": 20}
